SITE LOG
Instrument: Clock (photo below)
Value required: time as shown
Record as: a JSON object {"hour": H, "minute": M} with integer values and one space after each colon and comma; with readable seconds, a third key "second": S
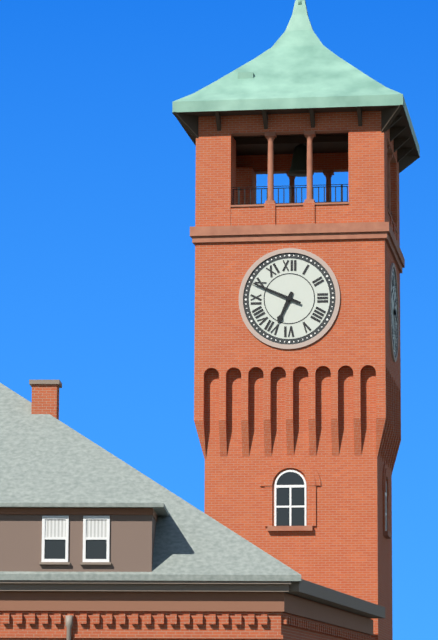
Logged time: {"hour": 6, "minute": 49}
